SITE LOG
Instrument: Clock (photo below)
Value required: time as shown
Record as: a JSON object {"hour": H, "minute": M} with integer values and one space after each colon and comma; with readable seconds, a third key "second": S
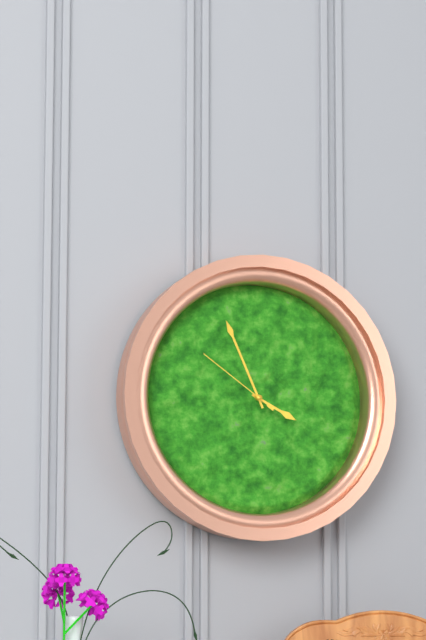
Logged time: {"hour": 3, "minute": 56, "second": 51}
